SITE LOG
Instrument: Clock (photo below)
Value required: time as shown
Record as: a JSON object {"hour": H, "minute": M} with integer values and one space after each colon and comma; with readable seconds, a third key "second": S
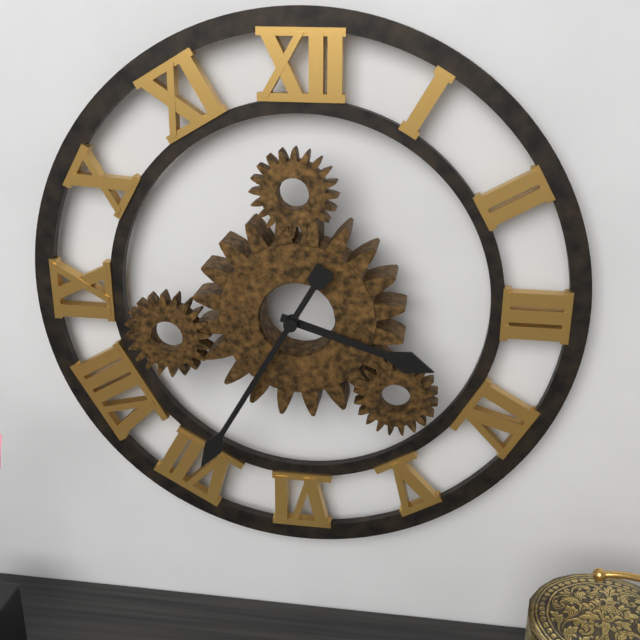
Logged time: {"hour": 3, "minute": 35}
